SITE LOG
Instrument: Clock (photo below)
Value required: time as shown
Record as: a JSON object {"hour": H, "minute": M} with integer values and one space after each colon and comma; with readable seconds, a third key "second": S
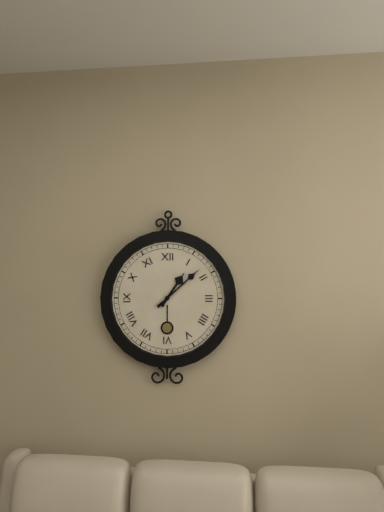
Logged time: {"hour": 1, "minute": 8}
